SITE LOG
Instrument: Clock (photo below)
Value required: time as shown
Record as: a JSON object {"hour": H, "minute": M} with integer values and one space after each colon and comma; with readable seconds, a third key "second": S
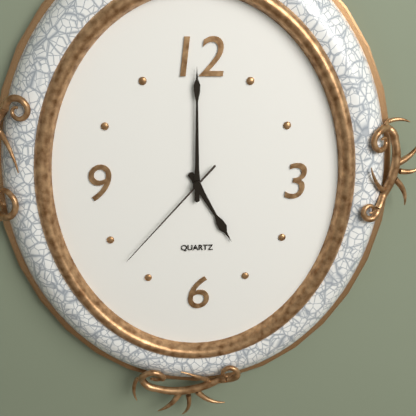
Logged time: {"hour": 5, "minute": 0, "second": 37}
